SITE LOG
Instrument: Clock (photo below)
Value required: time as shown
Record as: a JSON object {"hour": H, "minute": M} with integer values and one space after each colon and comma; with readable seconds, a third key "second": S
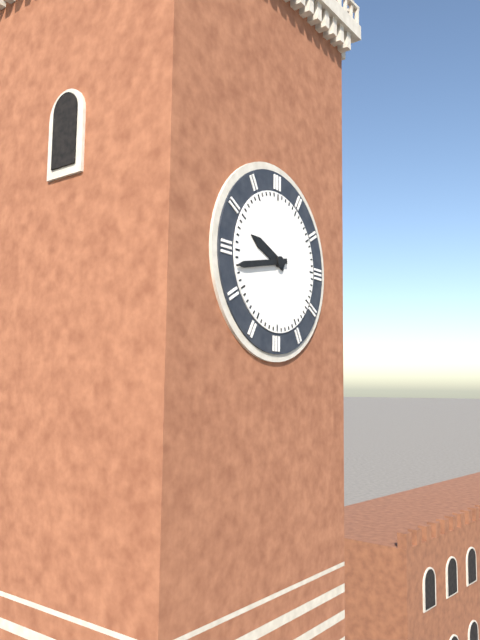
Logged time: {"hour": 9, "minute": 43}
